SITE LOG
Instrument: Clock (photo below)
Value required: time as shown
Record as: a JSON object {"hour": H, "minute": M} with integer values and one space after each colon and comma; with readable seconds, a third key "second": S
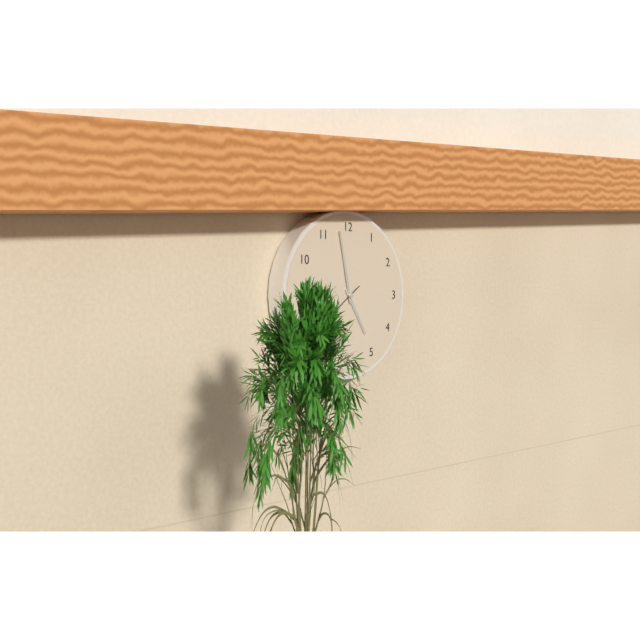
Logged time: {"hour": 4, "minute": 58}
